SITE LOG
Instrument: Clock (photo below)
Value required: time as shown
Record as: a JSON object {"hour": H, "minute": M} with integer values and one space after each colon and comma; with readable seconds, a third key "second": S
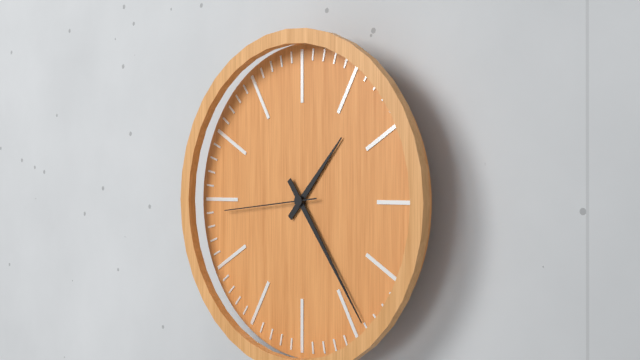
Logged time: {"hour": 1, "minute": 24, "second": 44}
